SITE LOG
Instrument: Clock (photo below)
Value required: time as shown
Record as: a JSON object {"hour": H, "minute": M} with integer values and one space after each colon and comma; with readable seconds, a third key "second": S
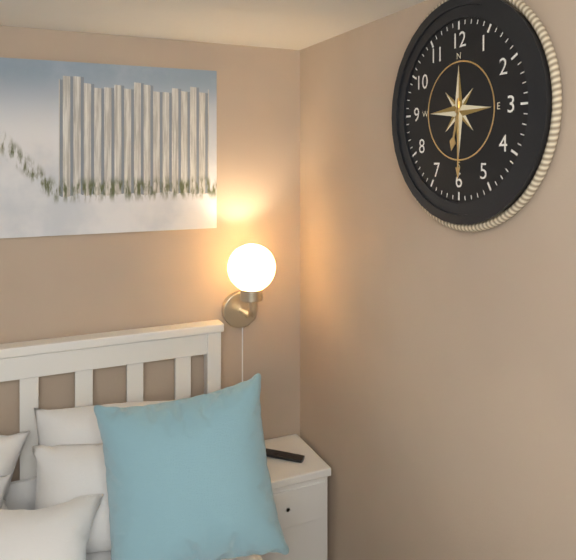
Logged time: {"hour": 6, "minute": 30}
